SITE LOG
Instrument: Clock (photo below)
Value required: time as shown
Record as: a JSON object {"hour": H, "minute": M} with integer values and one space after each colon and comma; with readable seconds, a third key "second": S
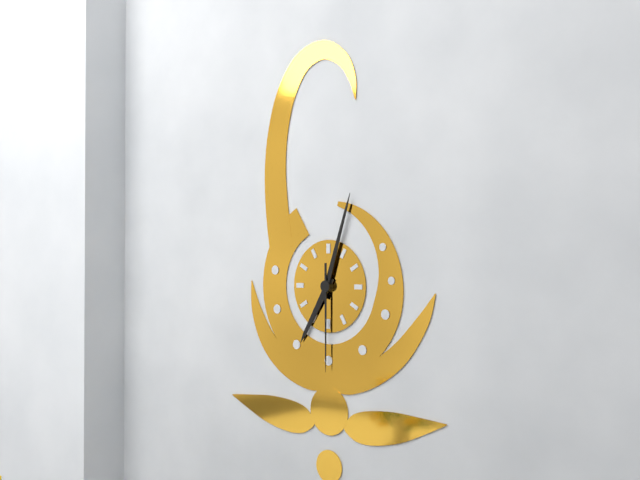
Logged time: {"hour": 7, "minute": 3, "second": 30}
